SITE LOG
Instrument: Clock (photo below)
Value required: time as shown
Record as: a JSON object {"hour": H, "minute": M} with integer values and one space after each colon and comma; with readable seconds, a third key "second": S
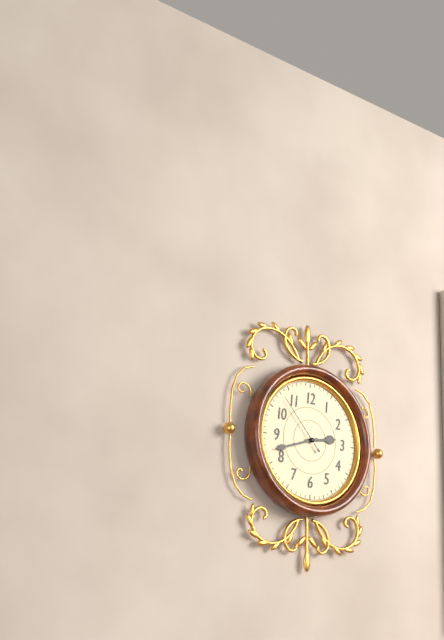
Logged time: {"hour": 2, "minute": 42, "second": 53}
